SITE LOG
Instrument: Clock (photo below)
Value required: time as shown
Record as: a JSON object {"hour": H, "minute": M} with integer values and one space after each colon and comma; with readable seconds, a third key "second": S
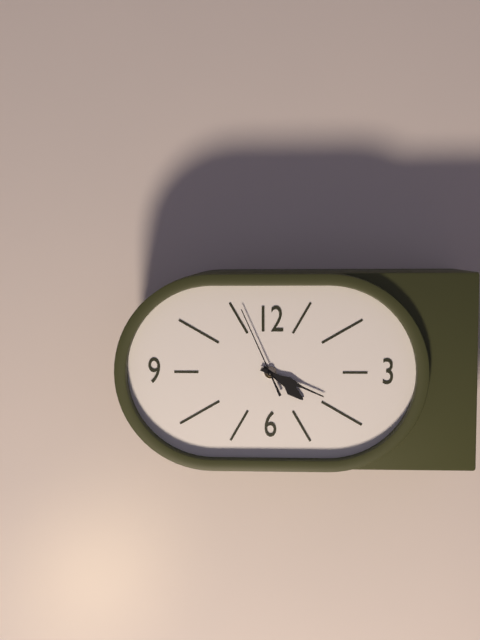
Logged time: {"hour": 4, "minute": 19, "second": 56}
